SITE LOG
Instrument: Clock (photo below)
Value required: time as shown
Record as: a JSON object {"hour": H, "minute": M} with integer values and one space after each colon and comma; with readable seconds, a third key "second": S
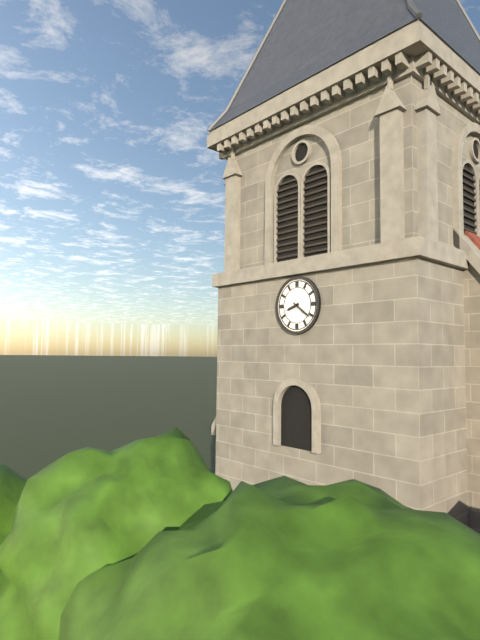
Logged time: {"hour": 8, "minute": 21}
